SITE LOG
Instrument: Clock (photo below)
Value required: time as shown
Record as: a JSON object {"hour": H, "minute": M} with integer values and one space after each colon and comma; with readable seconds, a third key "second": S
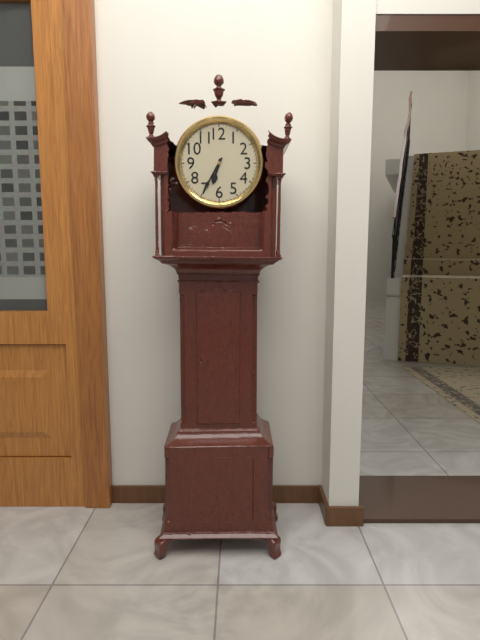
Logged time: {"hour": 6, "minute": 35}
